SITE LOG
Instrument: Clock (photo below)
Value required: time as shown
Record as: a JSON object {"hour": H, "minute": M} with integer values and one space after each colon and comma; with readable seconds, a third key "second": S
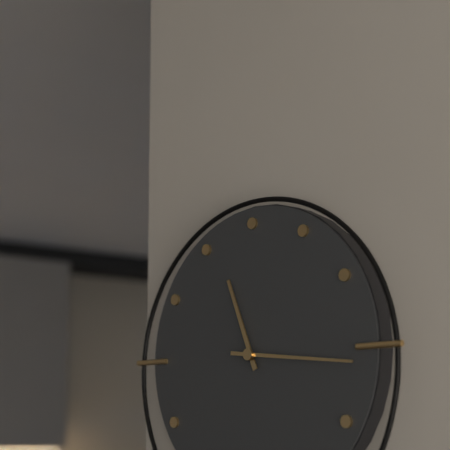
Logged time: {"hour": 11, "minute": 16}
